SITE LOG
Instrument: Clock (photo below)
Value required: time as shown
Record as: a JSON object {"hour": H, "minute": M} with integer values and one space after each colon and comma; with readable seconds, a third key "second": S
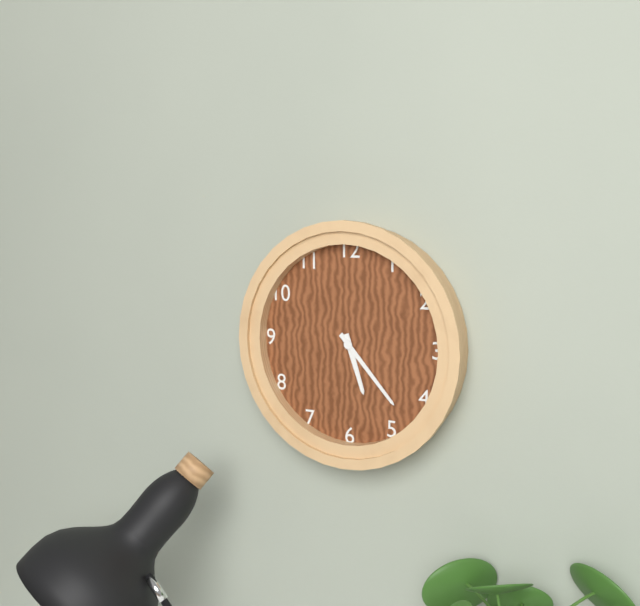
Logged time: {"hour": 5, "minute": 23}
